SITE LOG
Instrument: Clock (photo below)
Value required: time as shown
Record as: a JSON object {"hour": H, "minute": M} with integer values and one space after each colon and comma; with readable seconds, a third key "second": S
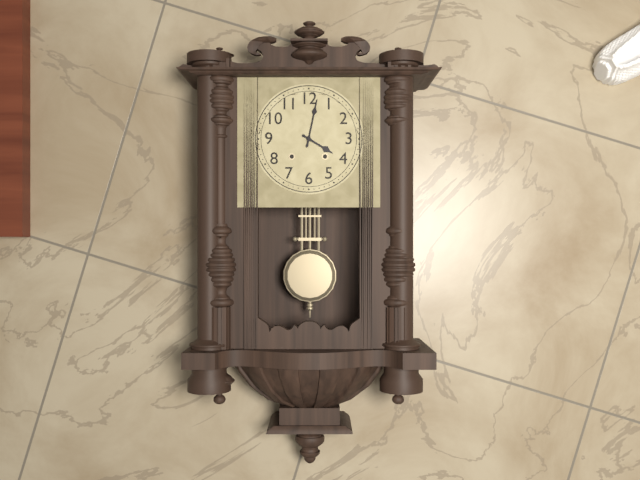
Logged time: {"hour": 4, "minute": 2}
